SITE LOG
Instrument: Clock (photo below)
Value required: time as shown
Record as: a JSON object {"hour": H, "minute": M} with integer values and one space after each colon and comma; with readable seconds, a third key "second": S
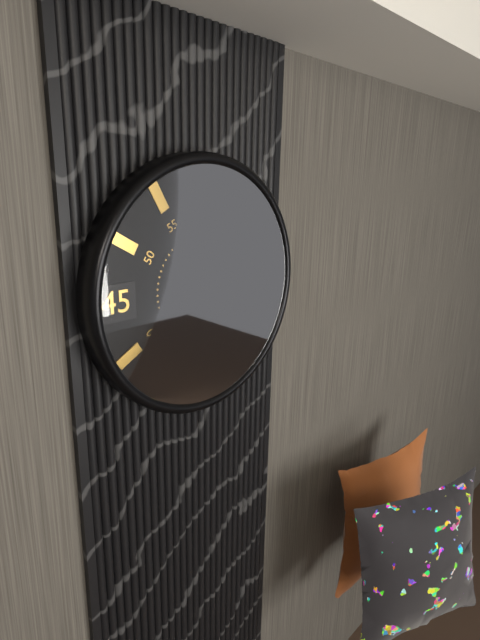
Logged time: {"hour": 2, "minute": 18}
